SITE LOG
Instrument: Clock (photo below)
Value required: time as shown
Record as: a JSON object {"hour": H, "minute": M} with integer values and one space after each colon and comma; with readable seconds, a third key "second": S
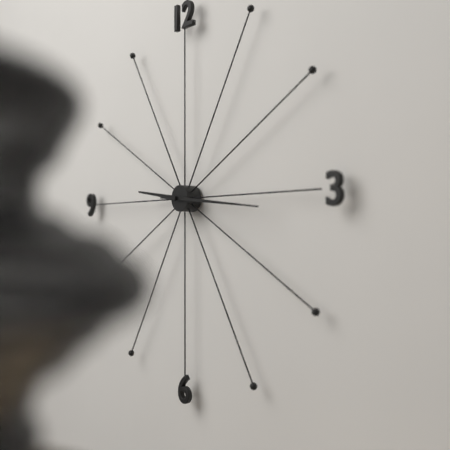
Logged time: {"hour": 9, "minute": 16}
